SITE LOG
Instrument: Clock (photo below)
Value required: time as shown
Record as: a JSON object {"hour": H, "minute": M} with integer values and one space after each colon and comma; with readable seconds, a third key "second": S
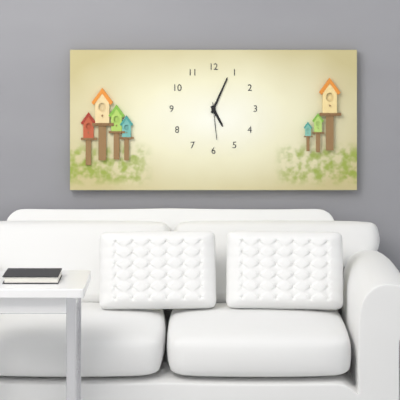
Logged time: {"hour": 5, "minute": 4}
